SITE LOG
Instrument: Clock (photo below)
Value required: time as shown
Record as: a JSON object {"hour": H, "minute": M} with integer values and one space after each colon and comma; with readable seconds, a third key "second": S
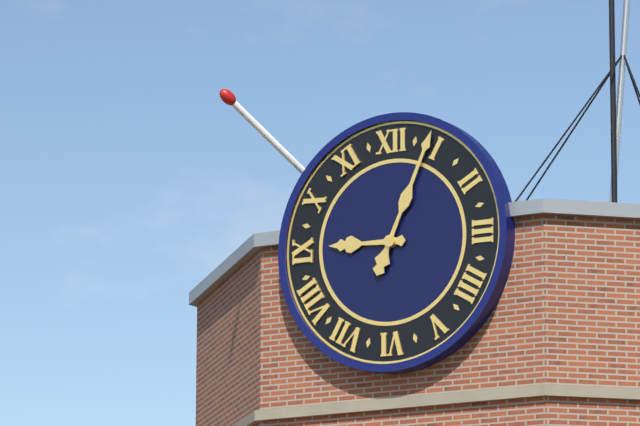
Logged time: {"hour": 9, "minute": 4}
